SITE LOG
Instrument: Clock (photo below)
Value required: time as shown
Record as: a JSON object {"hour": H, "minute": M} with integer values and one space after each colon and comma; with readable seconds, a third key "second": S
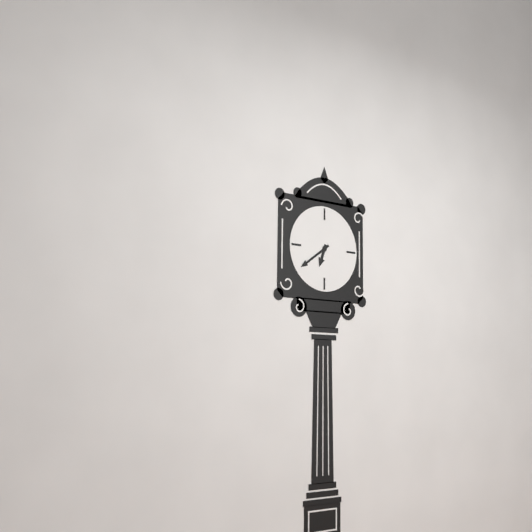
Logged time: {"hour": 6, "minute": 39}
